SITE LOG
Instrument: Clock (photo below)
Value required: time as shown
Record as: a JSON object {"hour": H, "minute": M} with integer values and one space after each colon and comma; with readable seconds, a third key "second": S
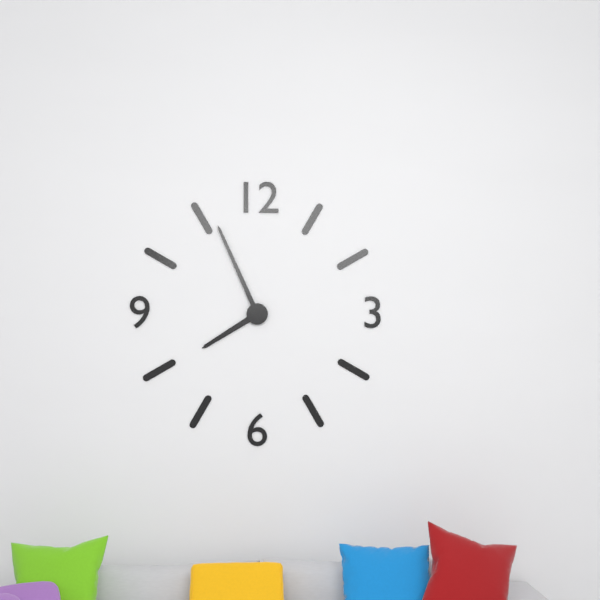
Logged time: {"hour": 7, "minute": 56}
